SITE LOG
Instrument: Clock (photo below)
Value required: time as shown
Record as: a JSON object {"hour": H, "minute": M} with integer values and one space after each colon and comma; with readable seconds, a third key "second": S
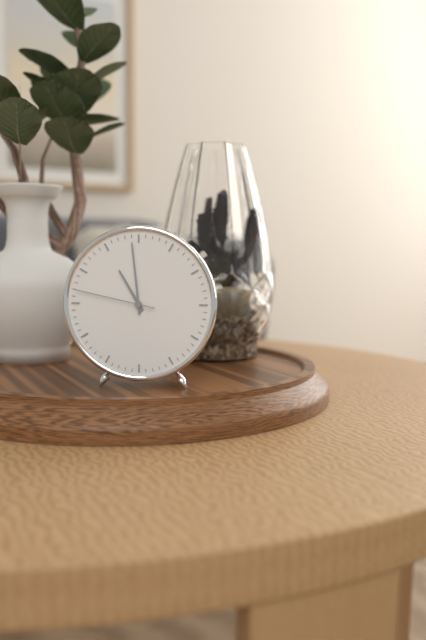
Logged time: {"hour": 10, "minute": 59, "second": 47}
